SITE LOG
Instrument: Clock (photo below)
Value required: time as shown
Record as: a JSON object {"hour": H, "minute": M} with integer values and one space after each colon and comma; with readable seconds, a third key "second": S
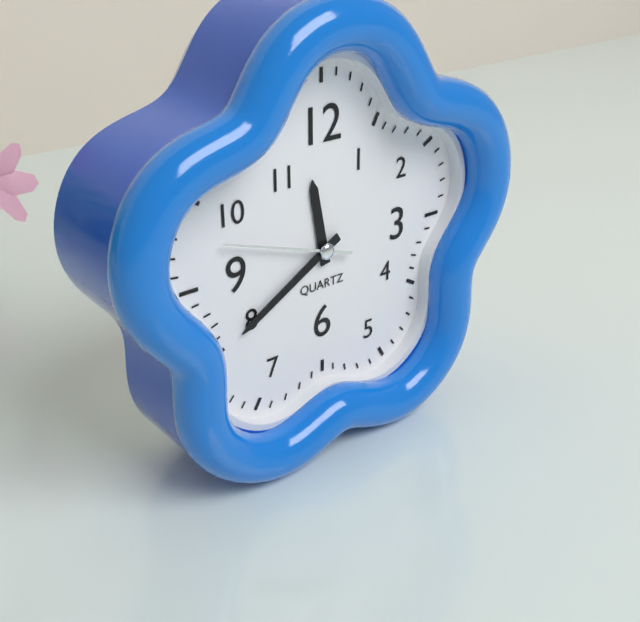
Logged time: {"hour": 11, "minute": 40, "second": 48}
